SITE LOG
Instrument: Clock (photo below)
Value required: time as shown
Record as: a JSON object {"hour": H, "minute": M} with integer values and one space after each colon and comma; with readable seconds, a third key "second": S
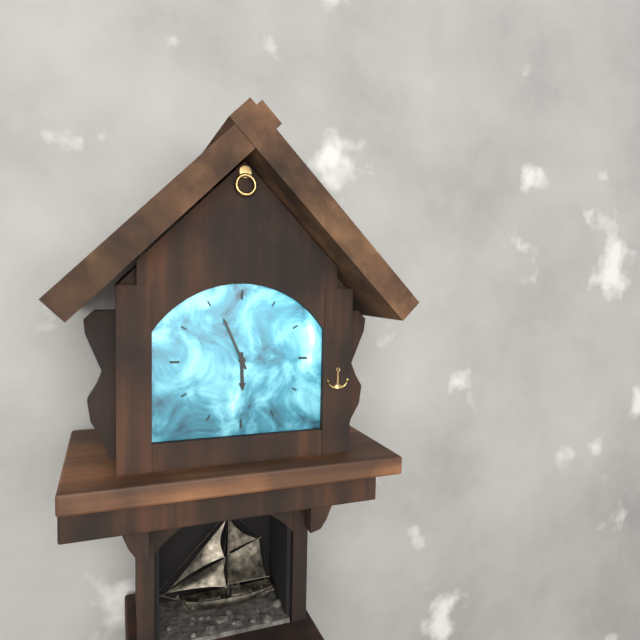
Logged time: {"hour": 5, "minute": 56}
